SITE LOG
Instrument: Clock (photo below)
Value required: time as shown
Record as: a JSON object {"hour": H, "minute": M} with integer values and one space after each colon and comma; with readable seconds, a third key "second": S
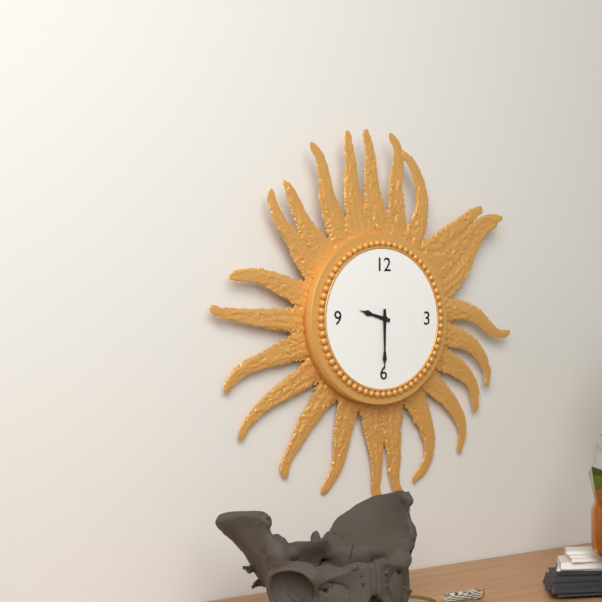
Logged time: {"hour": 9, "minute": 30}
